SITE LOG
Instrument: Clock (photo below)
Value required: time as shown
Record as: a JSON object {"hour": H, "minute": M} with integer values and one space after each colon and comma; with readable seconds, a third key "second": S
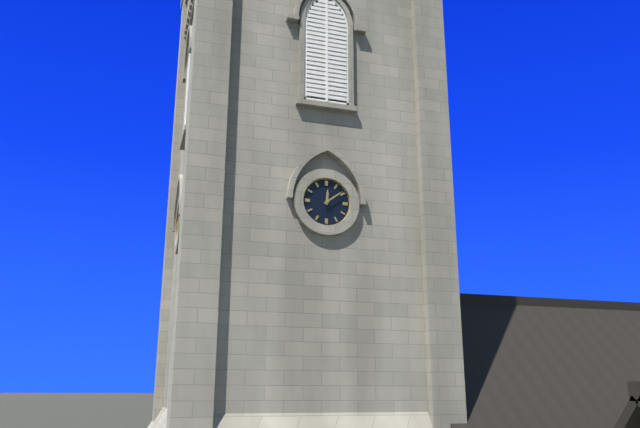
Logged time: {"hour": 12, "minute": 9}
